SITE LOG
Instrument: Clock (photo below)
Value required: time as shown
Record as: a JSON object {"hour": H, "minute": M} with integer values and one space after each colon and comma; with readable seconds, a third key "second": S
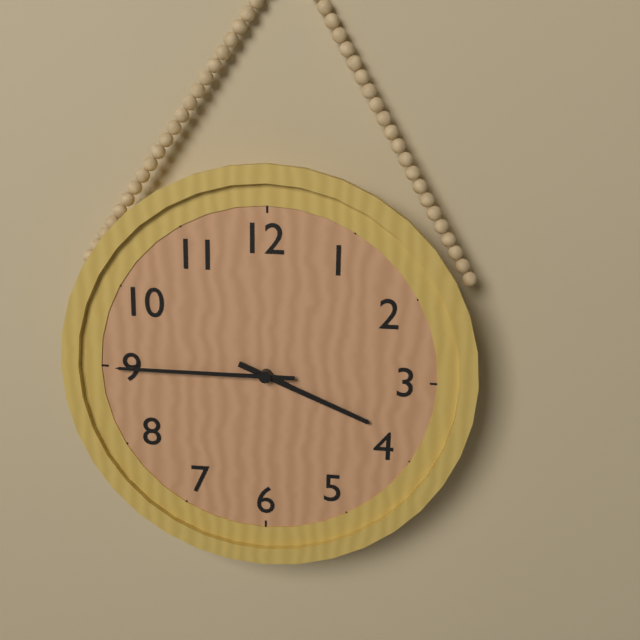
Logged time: {"hour": 3, "minute": 45}
